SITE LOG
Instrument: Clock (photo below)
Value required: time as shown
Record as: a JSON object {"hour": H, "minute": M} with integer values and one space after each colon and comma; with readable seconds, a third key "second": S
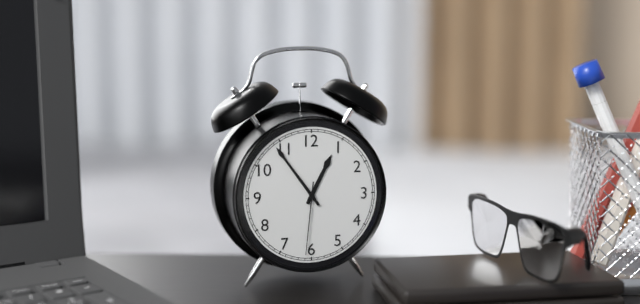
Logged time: {"hour": 12, "minute": 54, "second": 31}
